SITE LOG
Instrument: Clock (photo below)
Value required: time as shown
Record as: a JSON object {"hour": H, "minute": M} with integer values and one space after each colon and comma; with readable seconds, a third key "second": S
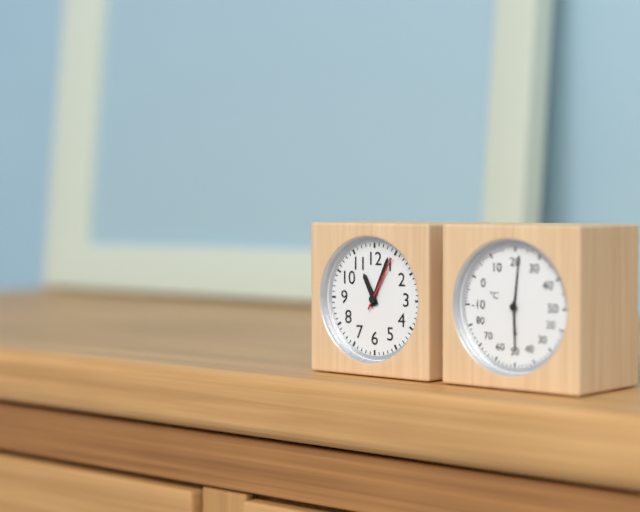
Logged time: {"hour": 11, "minute": 4, "second": 5}
